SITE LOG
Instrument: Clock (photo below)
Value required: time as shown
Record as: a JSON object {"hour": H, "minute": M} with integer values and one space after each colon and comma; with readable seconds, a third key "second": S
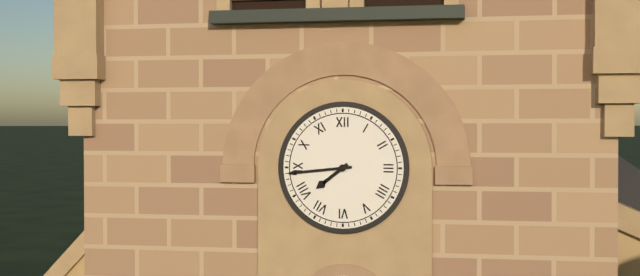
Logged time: {"hour": 7, "minute": 44}
